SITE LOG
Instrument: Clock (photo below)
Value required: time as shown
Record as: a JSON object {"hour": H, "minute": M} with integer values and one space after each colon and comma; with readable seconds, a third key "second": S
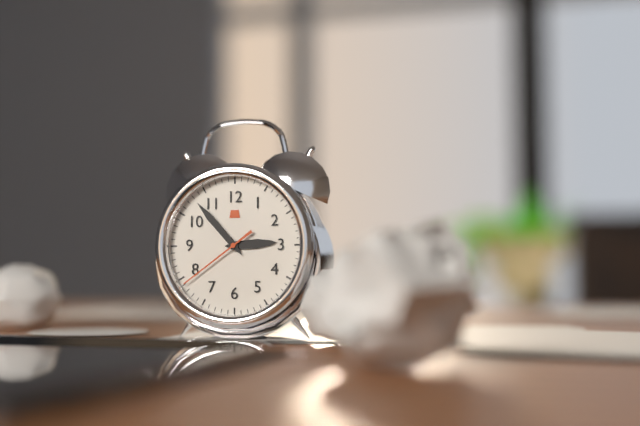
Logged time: {"hour": 2, "minute": 53, "second": 39}
